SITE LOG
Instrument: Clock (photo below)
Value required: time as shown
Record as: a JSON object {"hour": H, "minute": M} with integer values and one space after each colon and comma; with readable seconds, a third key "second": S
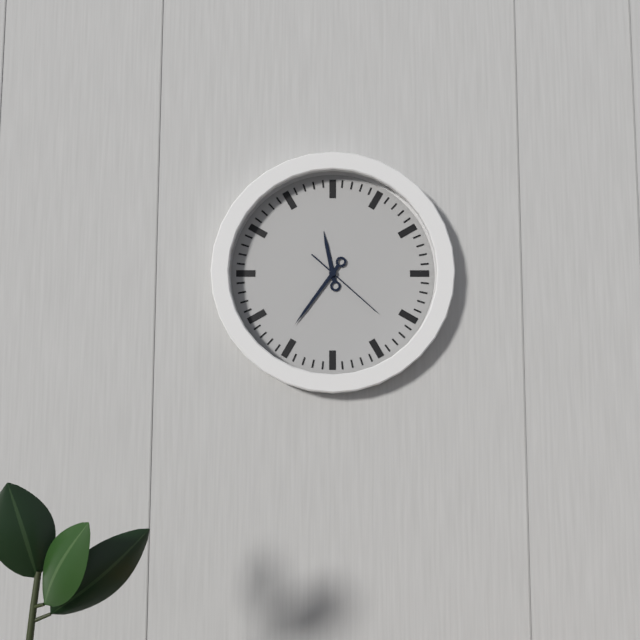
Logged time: {"hour": 11, "minute": 36, "second": 22}
